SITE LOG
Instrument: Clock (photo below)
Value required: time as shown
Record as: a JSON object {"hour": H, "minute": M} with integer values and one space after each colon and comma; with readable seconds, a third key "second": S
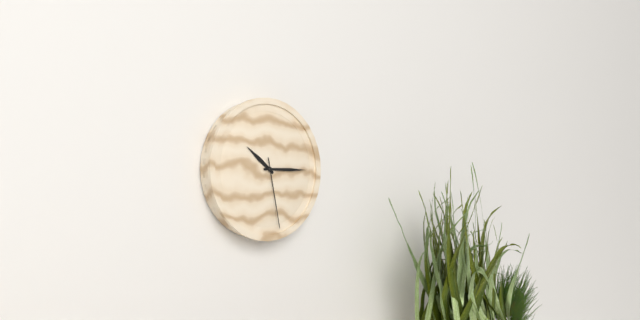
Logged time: {"hour": 10, "minute": 15, "second": 28}
